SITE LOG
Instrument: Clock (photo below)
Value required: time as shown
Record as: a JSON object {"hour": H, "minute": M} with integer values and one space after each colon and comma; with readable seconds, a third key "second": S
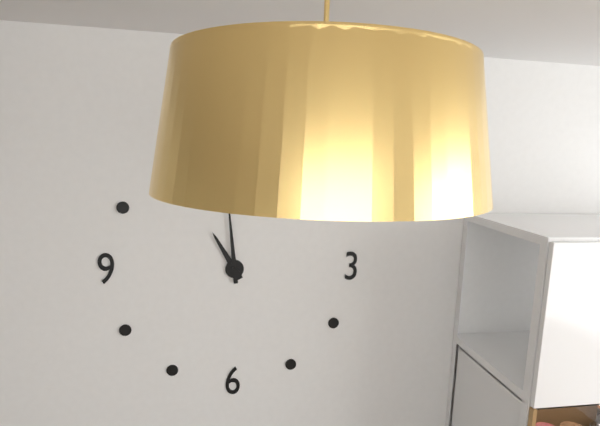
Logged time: {"hour": 10, "minute": 59}
